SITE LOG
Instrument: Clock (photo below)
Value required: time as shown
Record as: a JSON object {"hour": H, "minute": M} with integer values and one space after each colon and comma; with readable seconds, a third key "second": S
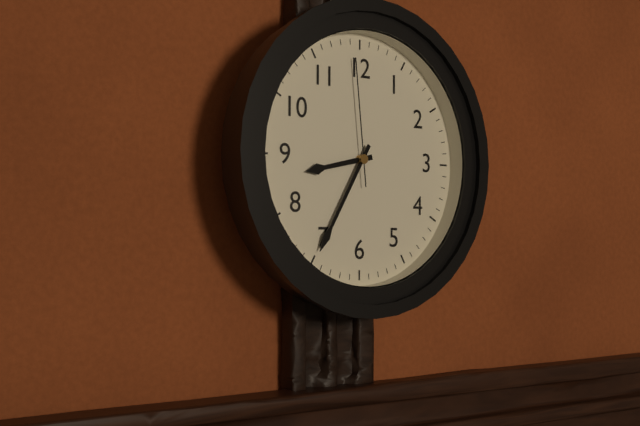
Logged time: {"hour": 8, "minute": 35, "second": 59}
